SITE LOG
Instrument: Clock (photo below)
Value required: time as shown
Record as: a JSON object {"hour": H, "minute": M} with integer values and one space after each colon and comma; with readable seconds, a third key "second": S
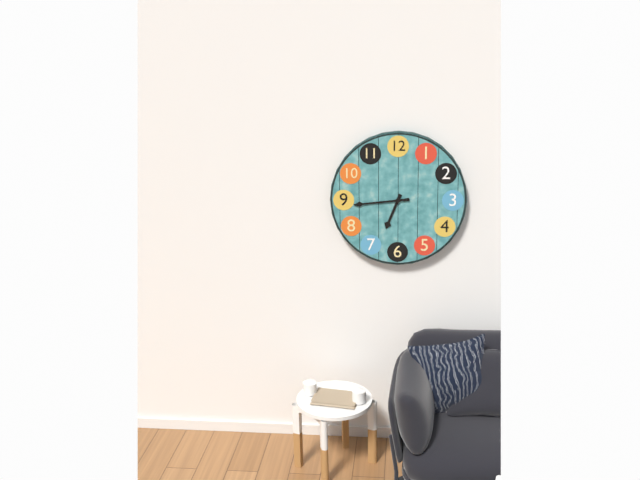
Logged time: {"hour": 6, "minute": 44}
